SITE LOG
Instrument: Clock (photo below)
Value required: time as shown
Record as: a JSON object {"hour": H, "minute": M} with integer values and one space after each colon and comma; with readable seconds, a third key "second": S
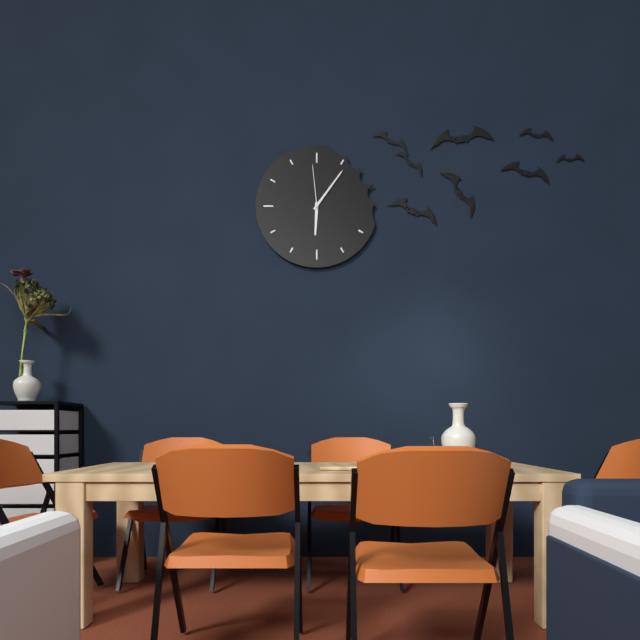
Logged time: {"hour": 6, "minute": 6, "second": 59}
